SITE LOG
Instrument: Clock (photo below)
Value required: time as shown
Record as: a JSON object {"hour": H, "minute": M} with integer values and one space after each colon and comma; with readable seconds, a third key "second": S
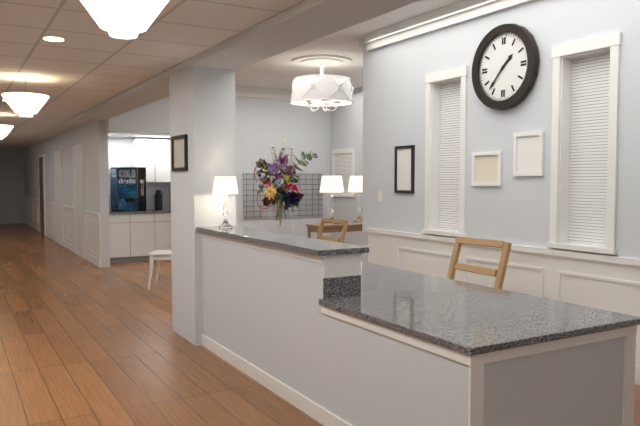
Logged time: {"hour": 1, "minute": 37}
